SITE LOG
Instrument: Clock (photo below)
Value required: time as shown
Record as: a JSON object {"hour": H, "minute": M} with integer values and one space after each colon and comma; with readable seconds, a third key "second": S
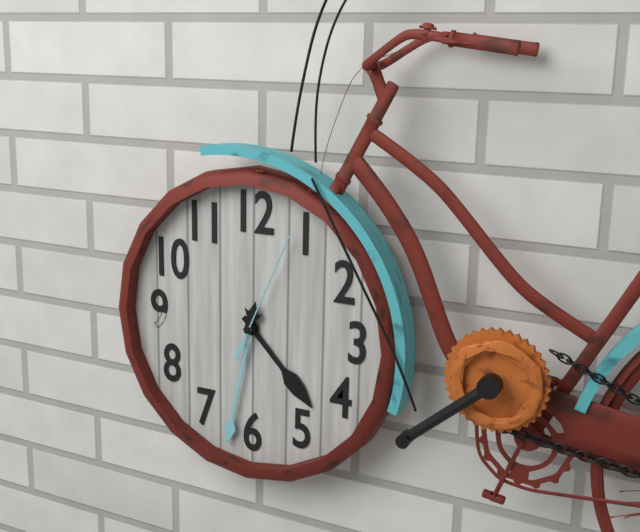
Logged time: {"hour": 4, "minute": 32, "second": 4}
